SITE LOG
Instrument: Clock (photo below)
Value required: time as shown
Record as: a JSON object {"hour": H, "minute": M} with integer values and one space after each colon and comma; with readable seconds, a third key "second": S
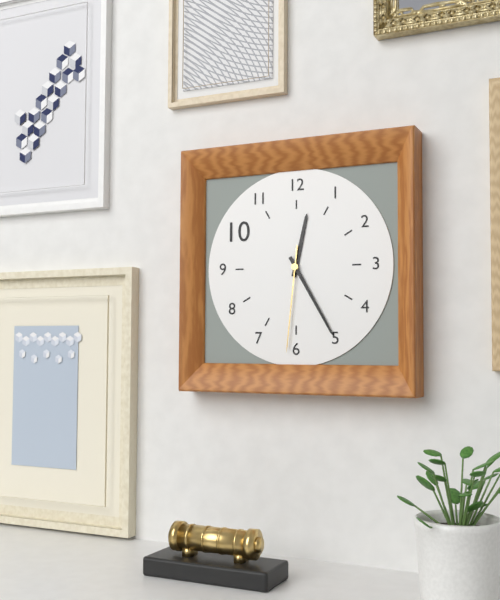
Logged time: {"hour": 12, "minute": 25, "second": 31}
